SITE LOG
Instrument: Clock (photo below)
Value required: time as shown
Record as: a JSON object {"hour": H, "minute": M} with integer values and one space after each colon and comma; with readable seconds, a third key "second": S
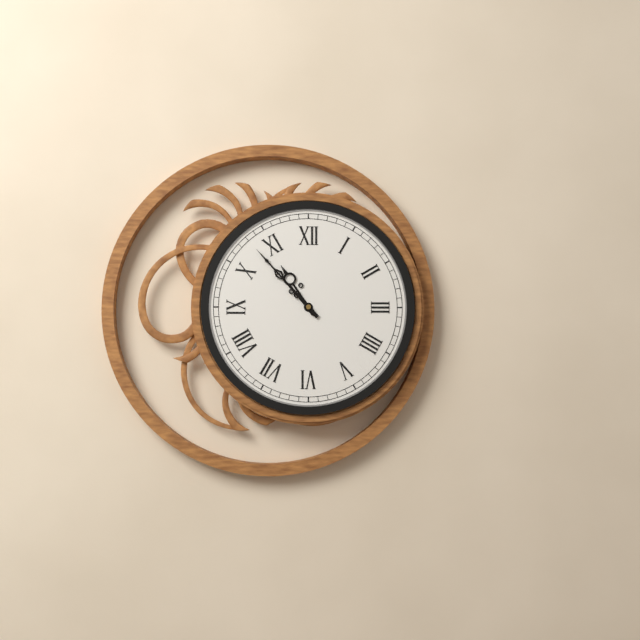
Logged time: {"hour": 10, "minute": 53}
